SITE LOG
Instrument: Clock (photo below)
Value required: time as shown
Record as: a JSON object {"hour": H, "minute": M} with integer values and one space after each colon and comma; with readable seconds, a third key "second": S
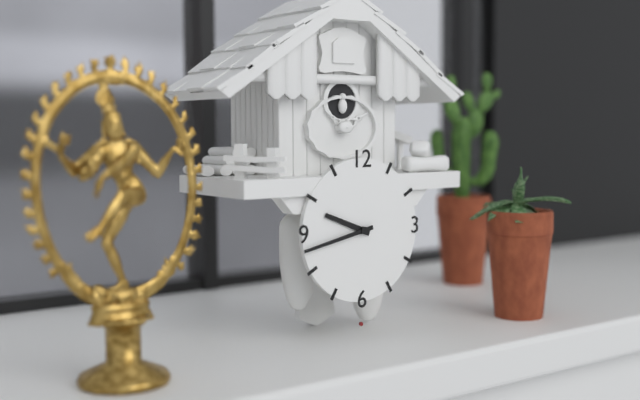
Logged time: {"hour": 9, "minute": 43}
